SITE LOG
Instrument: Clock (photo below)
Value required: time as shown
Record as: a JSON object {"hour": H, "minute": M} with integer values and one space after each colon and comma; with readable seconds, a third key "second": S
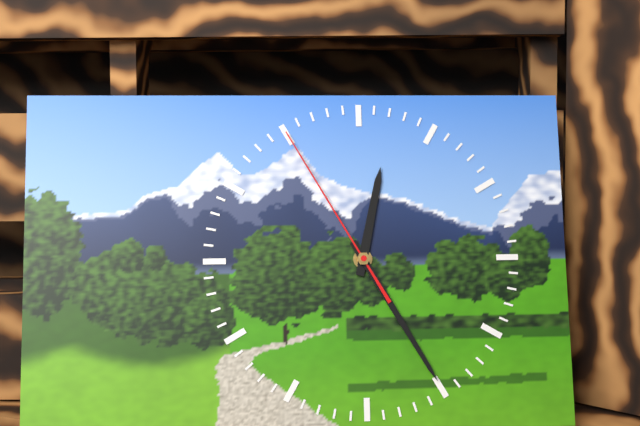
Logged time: {"hour": 12, "minute": 25, "second": 55}
